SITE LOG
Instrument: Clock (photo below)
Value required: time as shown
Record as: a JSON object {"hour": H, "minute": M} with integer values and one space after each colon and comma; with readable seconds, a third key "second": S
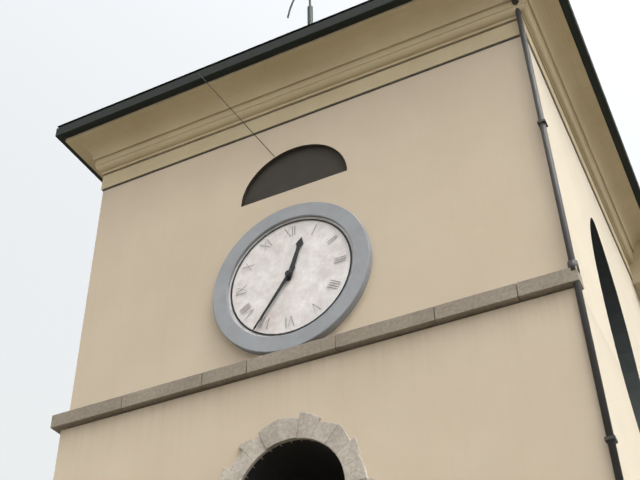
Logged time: {"hour": 12, "minute": 36}
